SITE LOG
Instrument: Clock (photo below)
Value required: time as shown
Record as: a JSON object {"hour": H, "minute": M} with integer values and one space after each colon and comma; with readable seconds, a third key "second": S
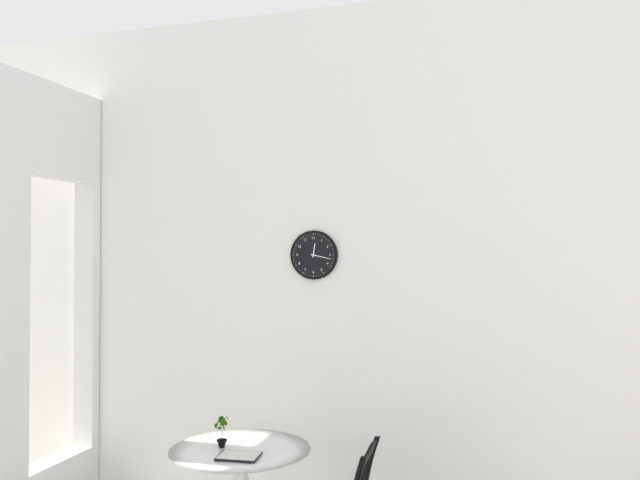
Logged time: {"hour": 12, "minute": 17}
